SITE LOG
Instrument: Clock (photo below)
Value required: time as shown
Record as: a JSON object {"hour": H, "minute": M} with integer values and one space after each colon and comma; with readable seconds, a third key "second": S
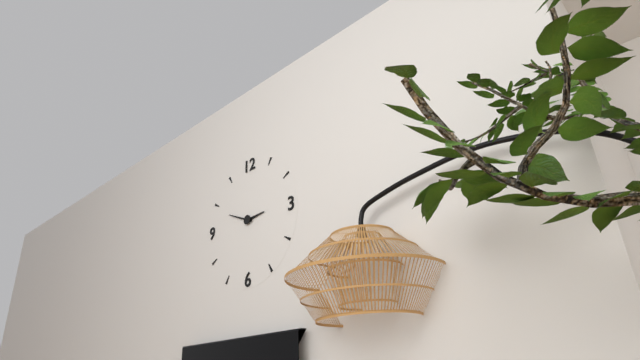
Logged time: {"hour": 2, "minute": 49}
